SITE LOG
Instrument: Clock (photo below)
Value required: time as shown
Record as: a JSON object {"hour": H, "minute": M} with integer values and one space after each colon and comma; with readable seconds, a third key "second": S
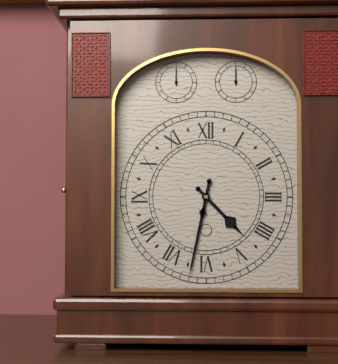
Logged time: {"hour": 4, "minute": 32}
